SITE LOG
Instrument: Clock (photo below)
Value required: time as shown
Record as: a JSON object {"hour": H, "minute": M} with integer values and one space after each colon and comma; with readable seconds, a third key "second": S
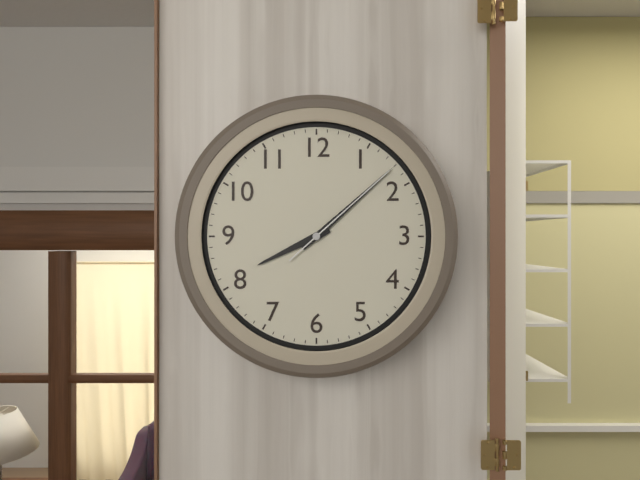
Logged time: {"hour": 8, "minute": 8, "second": 8}
